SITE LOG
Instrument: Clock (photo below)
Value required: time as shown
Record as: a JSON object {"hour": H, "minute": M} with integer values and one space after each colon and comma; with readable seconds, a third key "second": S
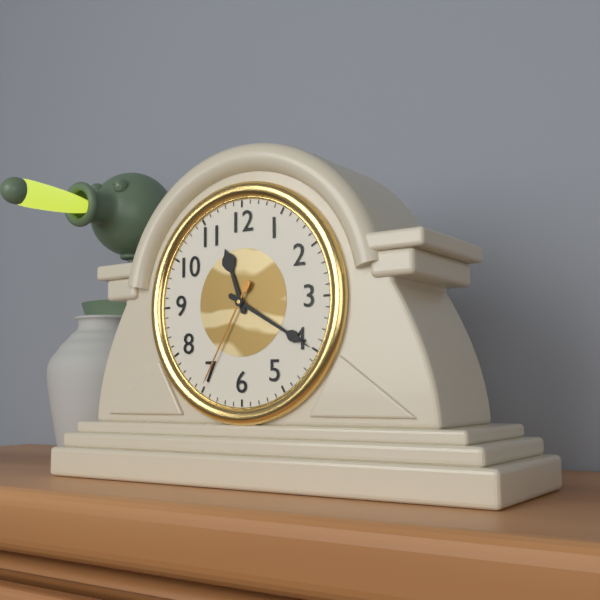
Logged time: {"hour": 11, "minute": 20, "second": 35}
